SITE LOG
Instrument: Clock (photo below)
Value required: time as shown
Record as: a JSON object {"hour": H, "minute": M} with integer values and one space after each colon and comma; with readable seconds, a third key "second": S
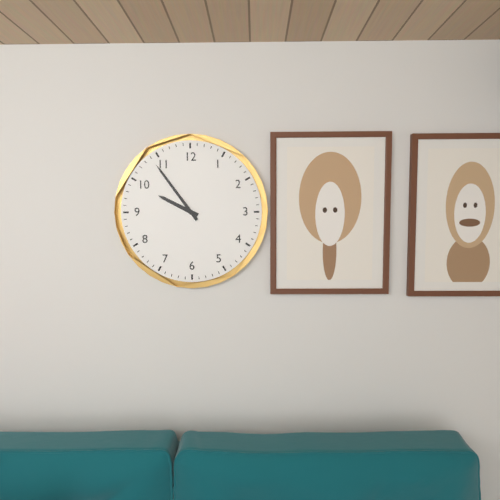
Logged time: {"hour": 9, "minute": 54}
